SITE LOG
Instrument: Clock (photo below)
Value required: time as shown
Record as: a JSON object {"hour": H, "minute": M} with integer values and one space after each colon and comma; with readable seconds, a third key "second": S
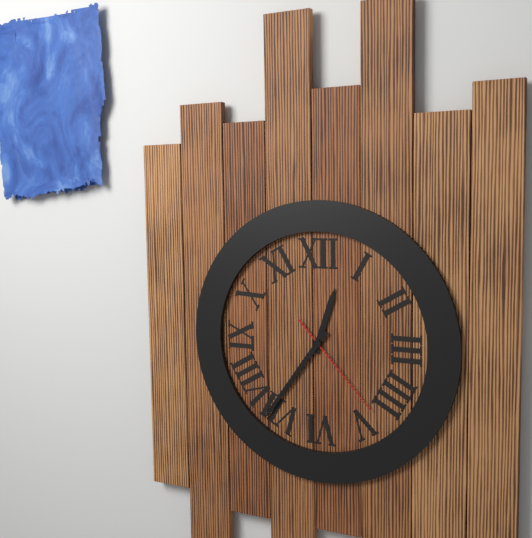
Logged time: {"hour": 12, "minute": 36, "second": 23}
